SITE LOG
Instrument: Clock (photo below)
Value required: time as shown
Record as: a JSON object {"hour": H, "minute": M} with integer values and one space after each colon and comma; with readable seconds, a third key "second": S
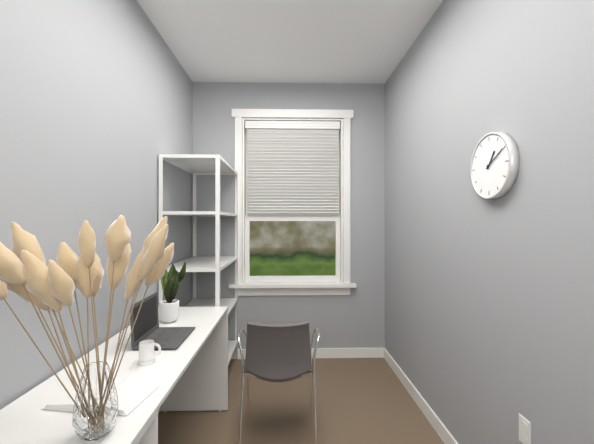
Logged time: {"hour": 1, "minute": 10}
